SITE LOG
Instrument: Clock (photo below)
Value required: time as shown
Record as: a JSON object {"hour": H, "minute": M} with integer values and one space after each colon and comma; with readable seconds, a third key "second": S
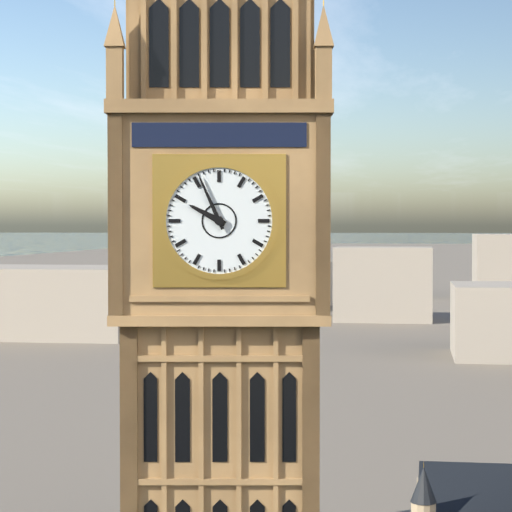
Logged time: {"hour": 9, "minute": 56}
